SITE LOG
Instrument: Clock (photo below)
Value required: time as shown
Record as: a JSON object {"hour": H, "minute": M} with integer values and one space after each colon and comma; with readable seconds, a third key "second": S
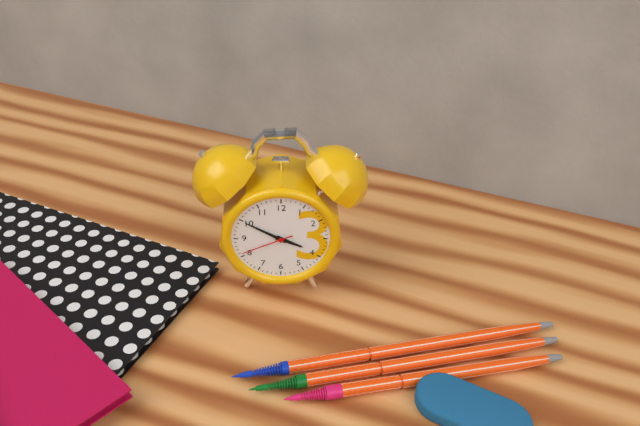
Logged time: {"hour": 3, "minute": 50, "second": 41}
